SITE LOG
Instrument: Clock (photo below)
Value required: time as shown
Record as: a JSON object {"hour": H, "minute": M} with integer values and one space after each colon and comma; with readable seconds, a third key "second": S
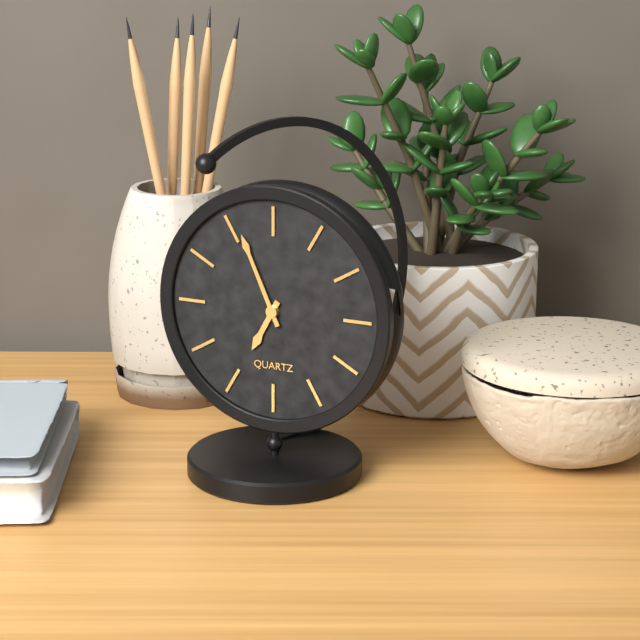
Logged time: {"hour": 6, "minute": 56}
